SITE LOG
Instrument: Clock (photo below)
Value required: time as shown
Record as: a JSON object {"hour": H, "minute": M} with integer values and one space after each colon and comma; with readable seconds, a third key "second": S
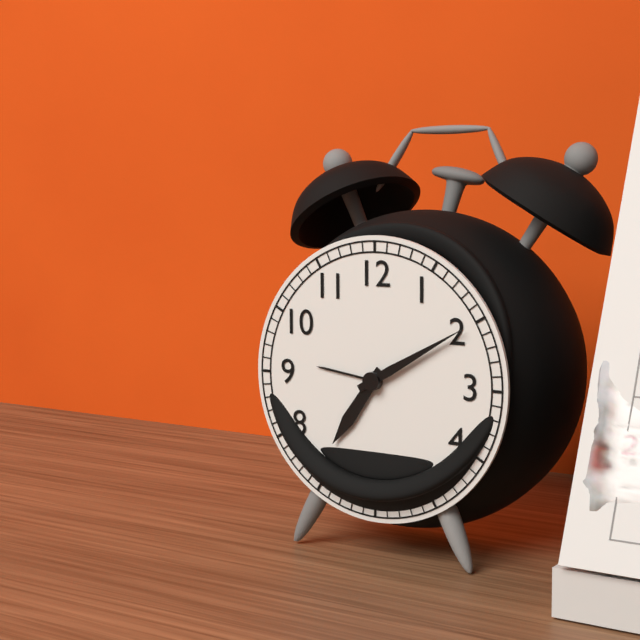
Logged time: {"hour": 7, "minute": 10}
